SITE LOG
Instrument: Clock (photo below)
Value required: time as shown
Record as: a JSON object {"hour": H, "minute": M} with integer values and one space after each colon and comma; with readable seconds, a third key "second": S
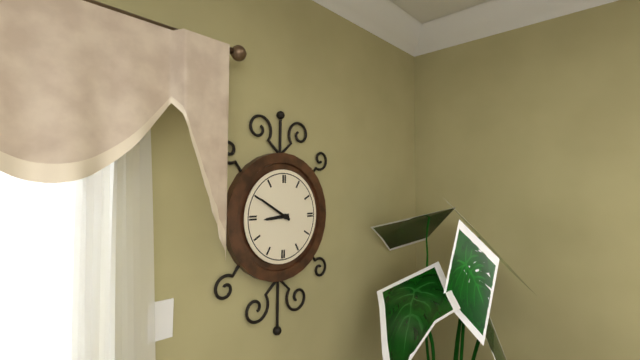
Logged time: {"hour": 8, "minute": 50}
